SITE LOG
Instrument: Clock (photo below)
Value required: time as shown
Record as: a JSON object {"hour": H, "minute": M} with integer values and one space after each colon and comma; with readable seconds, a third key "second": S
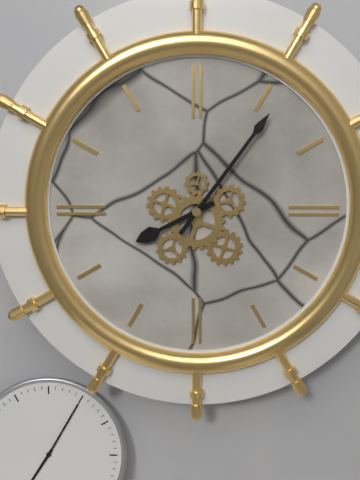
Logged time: {"hour": 8, "minute": 6}
